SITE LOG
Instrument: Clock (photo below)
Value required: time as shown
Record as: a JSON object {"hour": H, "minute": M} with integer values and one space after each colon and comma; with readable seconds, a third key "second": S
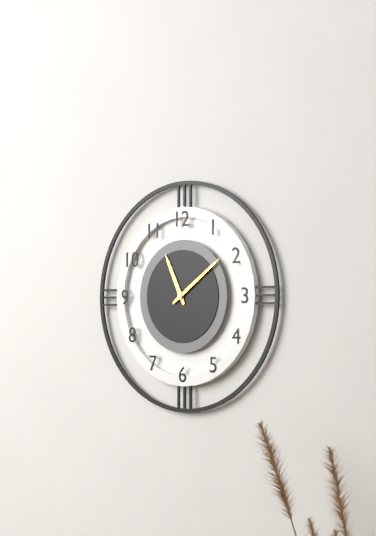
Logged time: {"hour": 11, "minute": 9}
